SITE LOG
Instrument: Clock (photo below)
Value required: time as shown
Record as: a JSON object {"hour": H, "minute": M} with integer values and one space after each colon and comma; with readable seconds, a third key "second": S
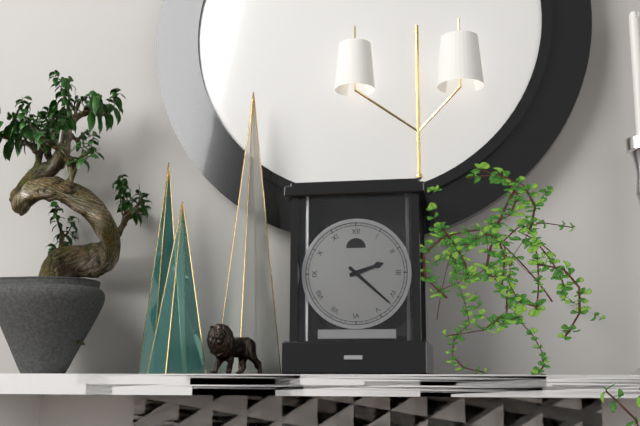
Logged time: {"hour": 2, "minute": 22}
